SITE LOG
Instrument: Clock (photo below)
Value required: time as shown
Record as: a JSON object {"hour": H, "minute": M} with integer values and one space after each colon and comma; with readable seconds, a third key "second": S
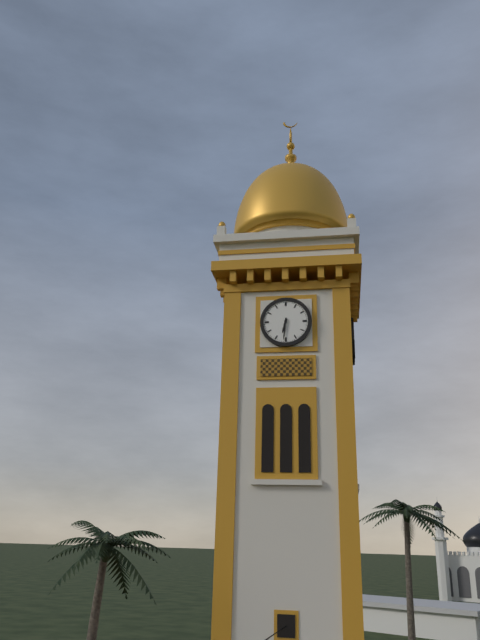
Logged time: {"hour": 6, "minute": 31}
